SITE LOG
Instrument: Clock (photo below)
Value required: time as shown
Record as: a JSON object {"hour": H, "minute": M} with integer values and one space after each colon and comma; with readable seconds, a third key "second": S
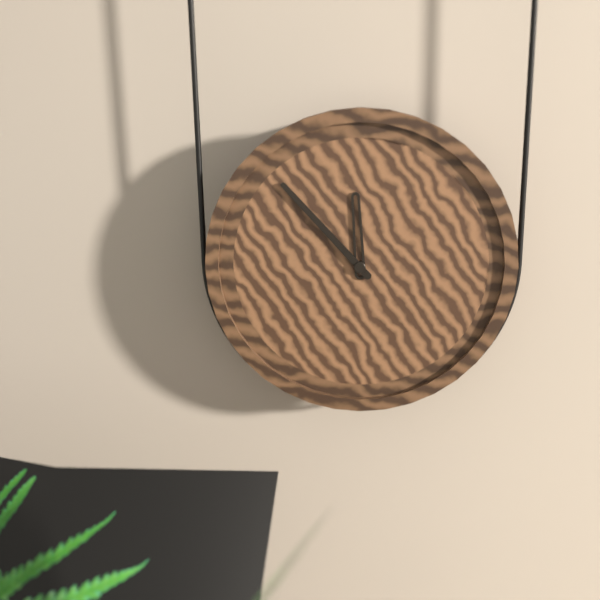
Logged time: {"hour": 11, "minute": 53}
